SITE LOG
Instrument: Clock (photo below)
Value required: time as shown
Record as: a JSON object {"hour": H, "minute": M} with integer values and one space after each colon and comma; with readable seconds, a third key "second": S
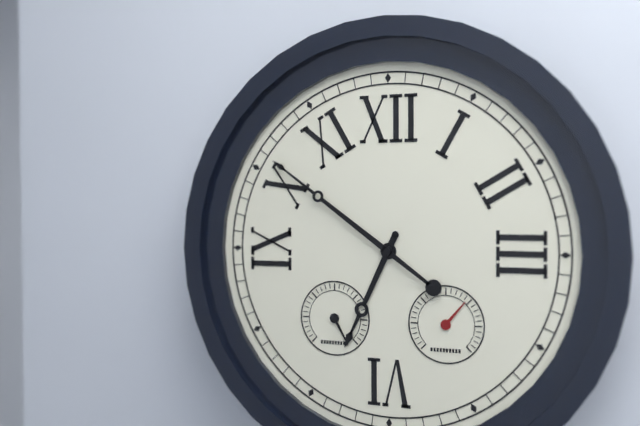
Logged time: {"hour": 6, "minute": 51}
